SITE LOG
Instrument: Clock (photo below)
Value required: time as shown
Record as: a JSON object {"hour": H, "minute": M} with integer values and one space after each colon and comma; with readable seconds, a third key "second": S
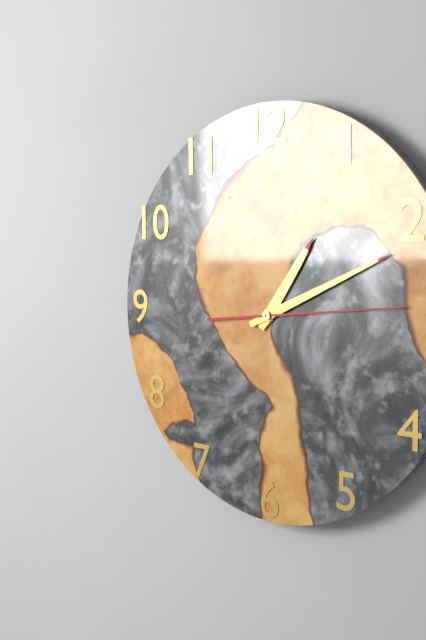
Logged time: {"hour": 1, "minute": 11, "second": 14}
